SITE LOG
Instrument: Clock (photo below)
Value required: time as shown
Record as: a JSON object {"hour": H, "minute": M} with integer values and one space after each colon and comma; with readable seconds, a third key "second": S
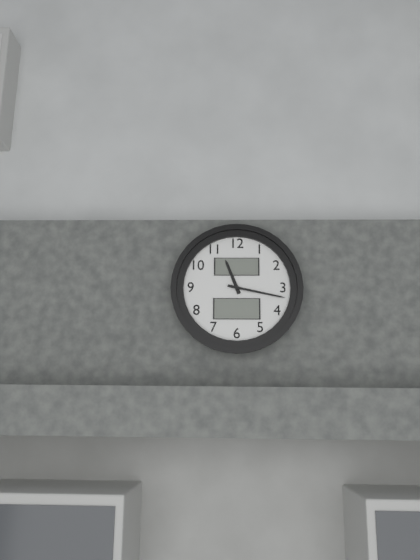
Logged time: {"hour": 11, "minute": 17}
